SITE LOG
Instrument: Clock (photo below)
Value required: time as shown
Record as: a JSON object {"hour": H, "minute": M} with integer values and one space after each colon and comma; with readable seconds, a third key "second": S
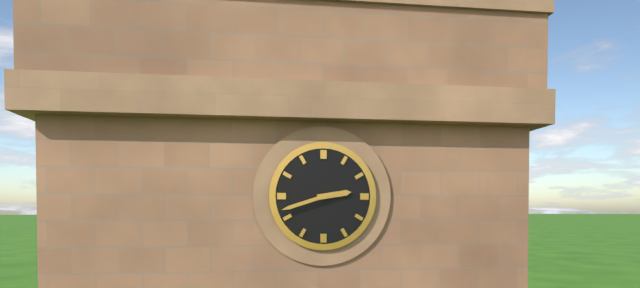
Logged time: {"hour": 2, "minute": 42}
